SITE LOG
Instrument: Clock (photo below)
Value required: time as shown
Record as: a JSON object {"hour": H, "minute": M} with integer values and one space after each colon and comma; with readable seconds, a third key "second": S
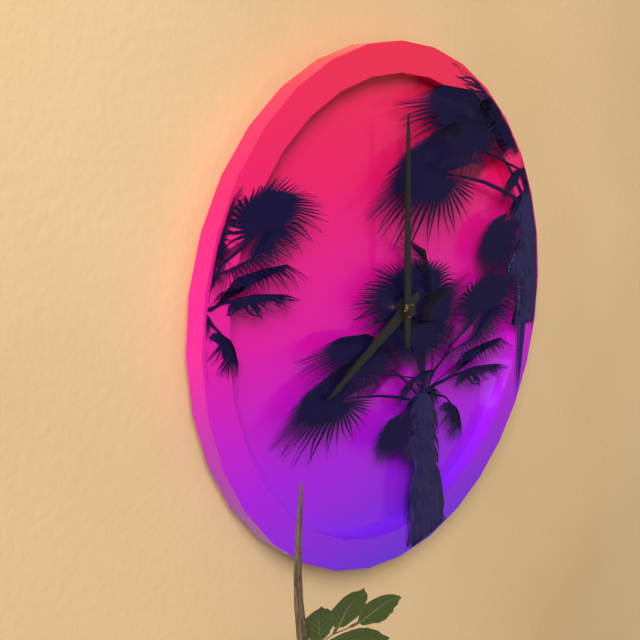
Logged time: {"hour": 8, "minute": 0}
